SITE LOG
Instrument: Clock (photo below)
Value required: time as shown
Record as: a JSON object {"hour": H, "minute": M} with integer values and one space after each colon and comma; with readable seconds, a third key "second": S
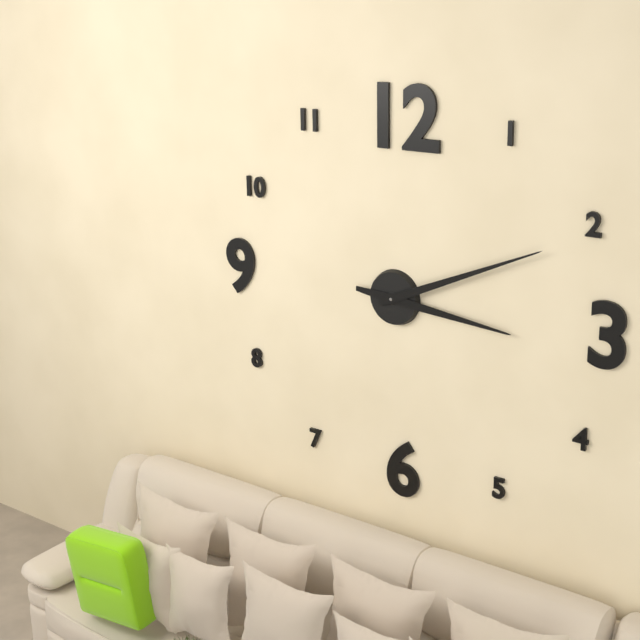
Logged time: {"hour": 3, "minute": 11}
